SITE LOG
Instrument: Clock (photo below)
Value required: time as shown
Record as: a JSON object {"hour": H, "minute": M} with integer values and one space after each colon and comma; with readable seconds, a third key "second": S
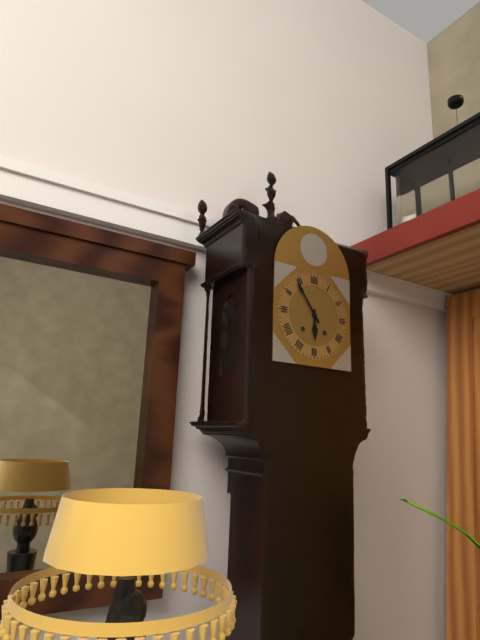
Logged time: {"hour": 5, "minute": 54}
